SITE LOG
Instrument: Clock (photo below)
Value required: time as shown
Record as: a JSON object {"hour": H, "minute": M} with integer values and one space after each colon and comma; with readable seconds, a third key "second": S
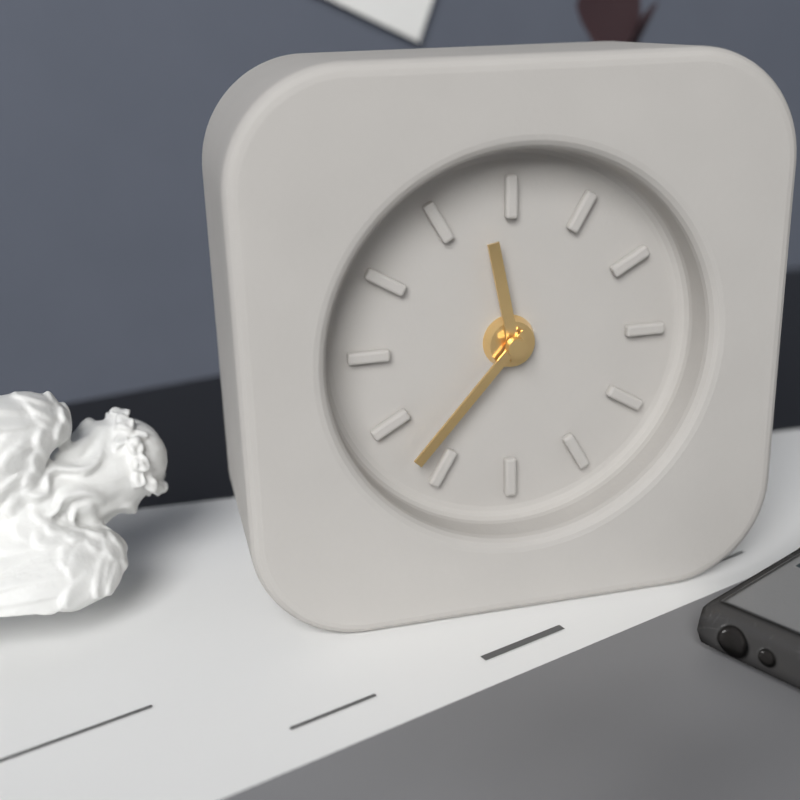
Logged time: {"hour": 11, "minute": 37}
